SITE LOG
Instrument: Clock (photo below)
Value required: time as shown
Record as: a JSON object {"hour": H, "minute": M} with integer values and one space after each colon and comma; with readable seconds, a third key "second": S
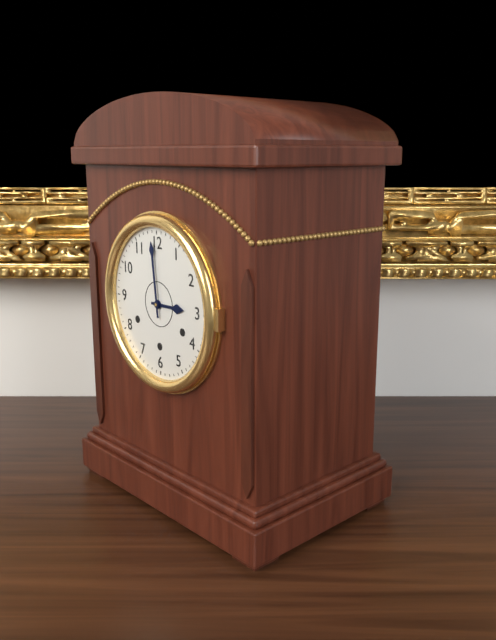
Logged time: {"hour": 2, "minute": 59}
